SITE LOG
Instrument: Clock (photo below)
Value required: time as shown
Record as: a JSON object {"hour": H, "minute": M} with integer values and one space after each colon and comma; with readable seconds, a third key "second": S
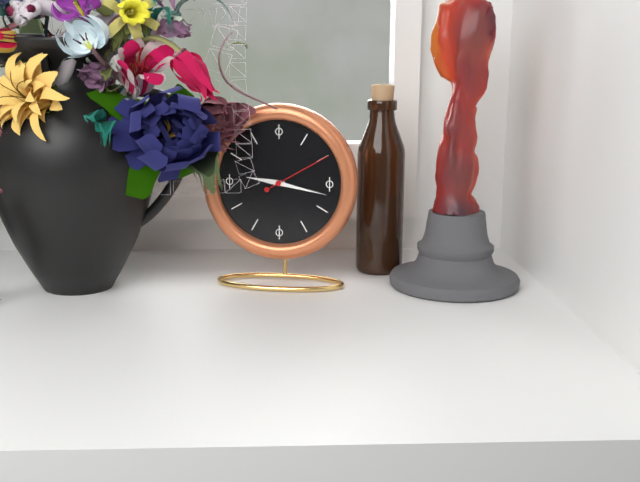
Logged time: {"hour": 9, "minute": 17, "second": 10}
